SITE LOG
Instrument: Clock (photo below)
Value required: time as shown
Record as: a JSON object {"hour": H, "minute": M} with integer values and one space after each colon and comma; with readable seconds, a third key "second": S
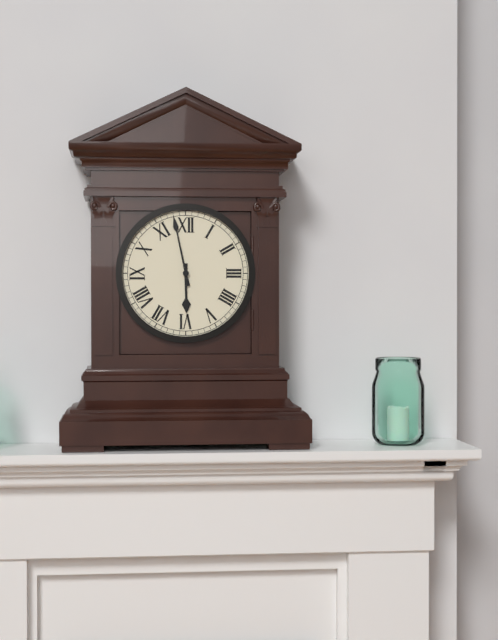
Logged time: {"hour": 5, "minute": 58}
